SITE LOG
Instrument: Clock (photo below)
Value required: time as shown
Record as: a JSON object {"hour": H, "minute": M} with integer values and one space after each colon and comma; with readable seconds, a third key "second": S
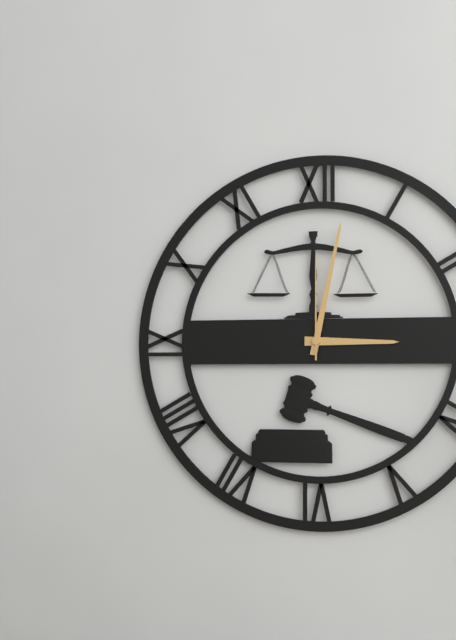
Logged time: {"hour": 3, "minute": 2, "second": 0}
